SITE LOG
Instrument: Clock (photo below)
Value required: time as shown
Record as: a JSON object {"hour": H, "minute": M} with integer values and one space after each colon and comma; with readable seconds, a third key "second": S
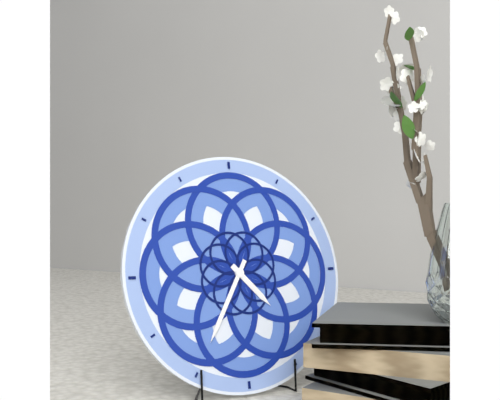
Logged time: {"hour": 4, "minute": 35}
